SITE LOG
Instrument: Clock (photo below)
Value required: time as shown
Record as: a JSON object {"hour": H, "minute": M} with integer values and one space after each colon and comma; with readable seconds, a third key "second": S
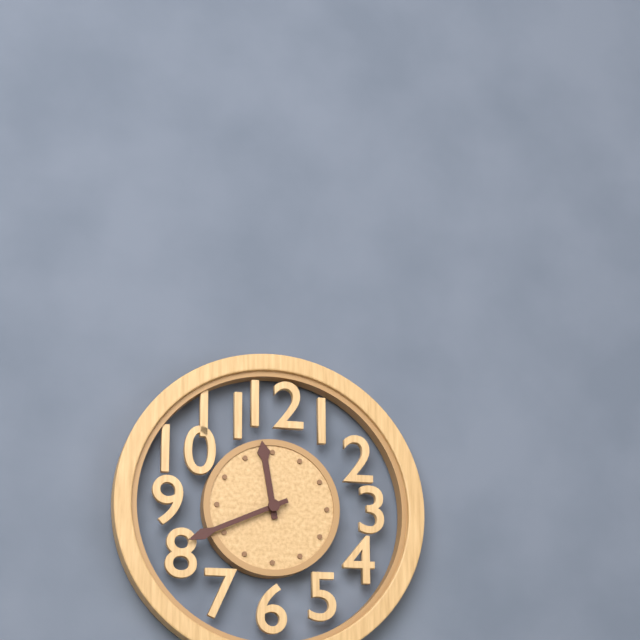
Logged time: {"hour": 11, "minute": 41}
